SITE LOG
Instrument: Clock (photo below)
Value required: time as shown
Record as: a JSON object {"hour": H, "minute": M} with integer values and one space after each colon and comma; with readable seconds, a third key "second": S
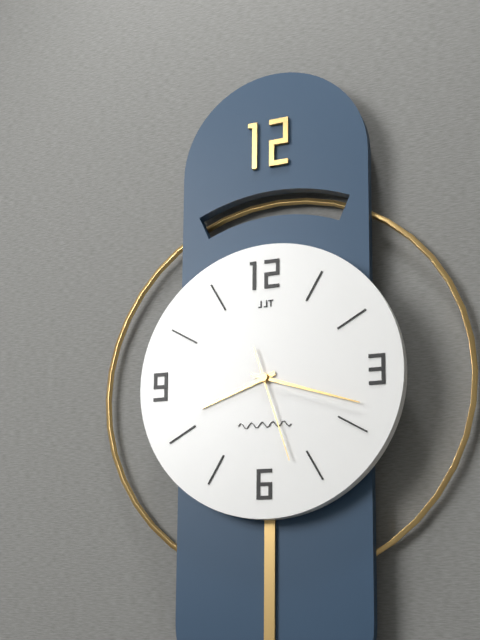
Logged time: {"hour": 8, "minute": 18, "second": 27}
